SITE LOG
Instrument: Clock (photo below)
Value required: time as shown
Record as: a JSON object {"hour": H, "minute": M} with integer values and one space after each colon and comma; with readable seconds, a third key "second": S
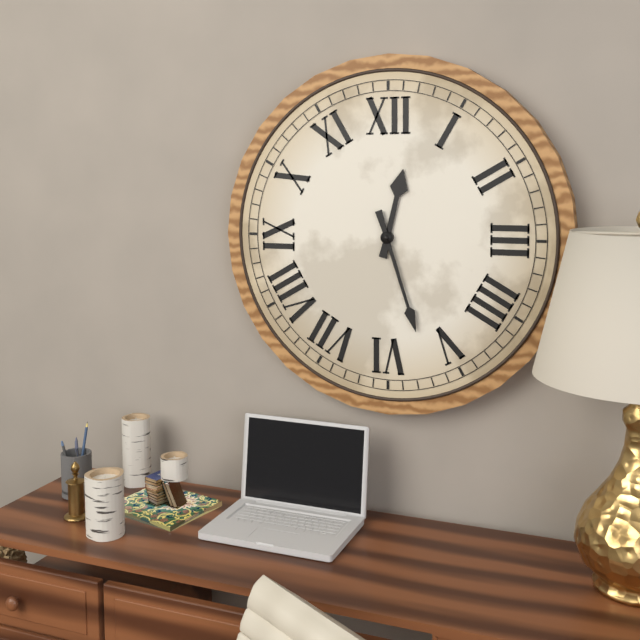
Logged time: {"hour": 12, "minute": 27}
